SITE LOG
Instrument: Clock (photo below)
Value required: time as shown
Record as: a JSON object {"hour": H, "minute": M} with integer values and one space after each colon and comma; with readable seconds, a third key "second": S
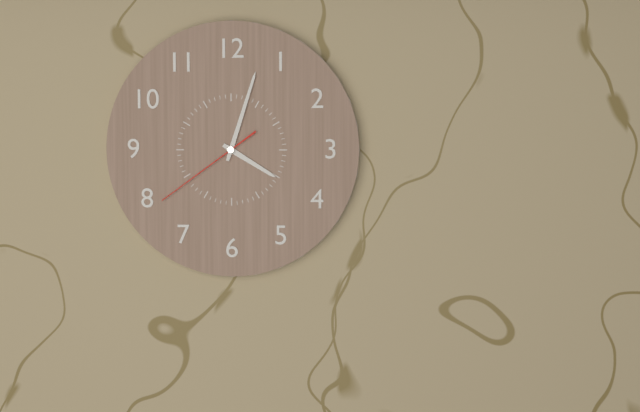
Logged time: {"hour": 4, "minute": 3, "second": 39}
